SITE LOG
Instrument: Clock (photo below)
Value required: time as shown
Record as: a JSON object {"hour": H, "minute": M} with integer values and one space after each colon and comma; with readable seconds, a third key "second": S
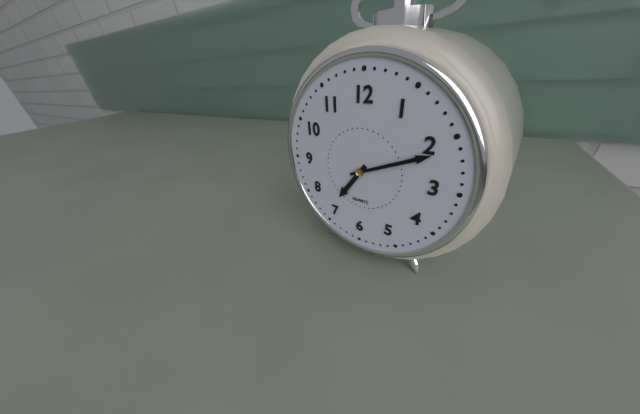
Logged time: {"hour": 7, "minute": 11}
